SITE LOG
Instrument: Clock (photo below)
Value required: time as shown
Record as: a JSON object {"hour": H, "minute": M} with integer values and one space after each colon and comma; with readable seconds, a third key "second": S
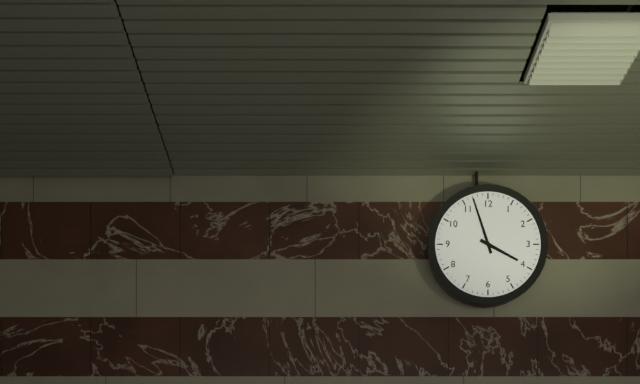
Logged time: {"hour": 3, "minute": 57}
